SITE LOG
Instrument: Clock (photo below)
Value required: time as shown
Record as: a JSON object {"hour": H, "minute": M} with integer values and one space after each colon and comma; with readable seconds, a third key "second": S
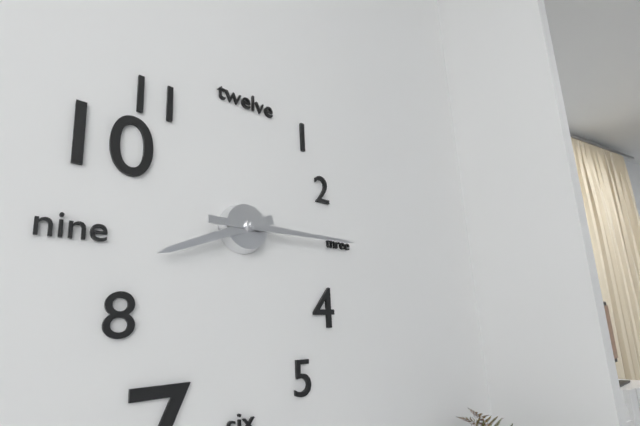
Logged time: {"hour": 8, "minute": 15}
